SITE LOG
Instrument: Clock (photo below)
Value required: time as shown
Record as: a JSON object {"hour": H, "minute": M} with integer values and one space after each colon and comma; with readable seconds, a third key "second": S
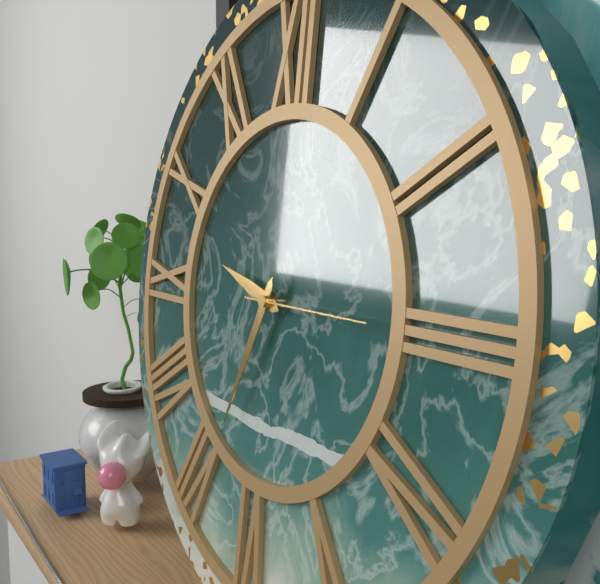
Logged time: {"hour": 9, "minute": 34, "second": 15}
